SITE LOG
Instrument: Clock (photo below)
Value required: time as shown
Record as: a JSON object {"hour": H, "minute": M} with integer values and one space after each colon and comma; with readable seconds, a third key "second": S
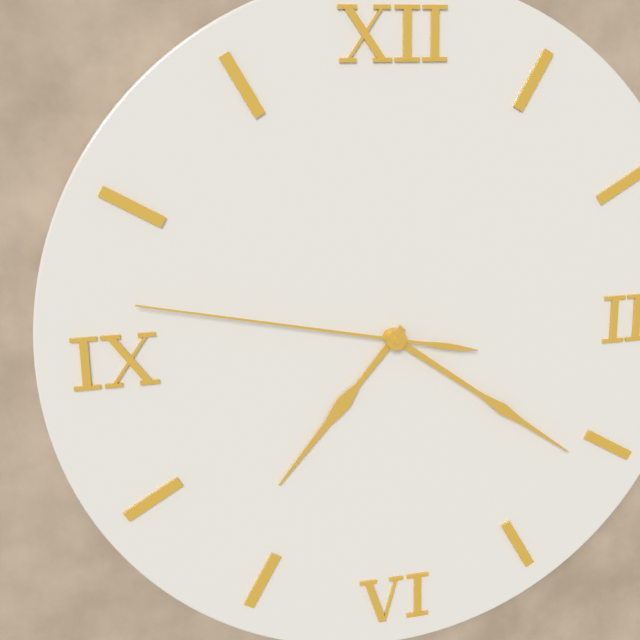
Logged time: {"hour": 7, "minute": 21, "second": 47}
